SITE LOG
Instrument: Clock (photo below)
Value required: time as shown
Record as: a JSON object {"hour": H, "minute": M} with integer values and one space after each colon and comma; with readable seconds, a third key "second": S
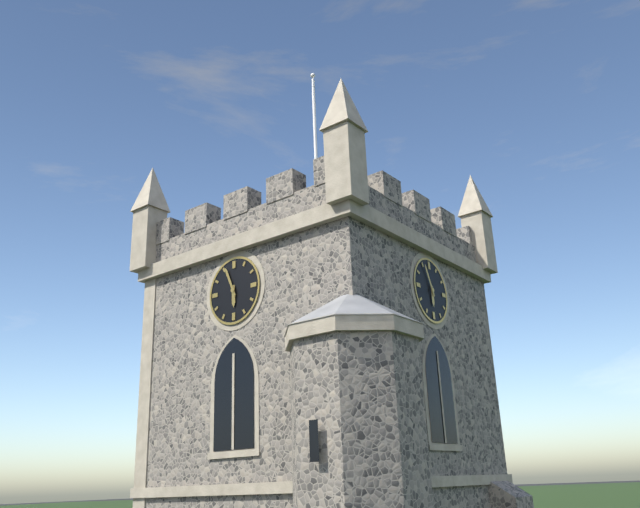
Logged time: {"hour": 5, "minute": 56}
